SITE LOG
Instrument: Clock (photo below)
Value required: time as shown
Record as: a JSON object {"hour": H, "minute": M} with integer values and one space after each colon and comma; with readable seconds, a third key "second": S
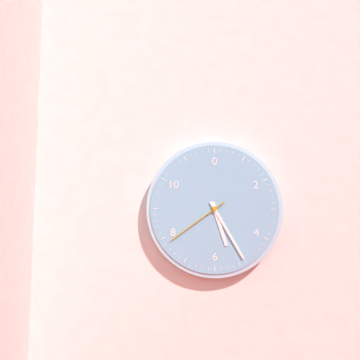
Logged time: {"hour": 5, "minute": 25, "second": 39}
